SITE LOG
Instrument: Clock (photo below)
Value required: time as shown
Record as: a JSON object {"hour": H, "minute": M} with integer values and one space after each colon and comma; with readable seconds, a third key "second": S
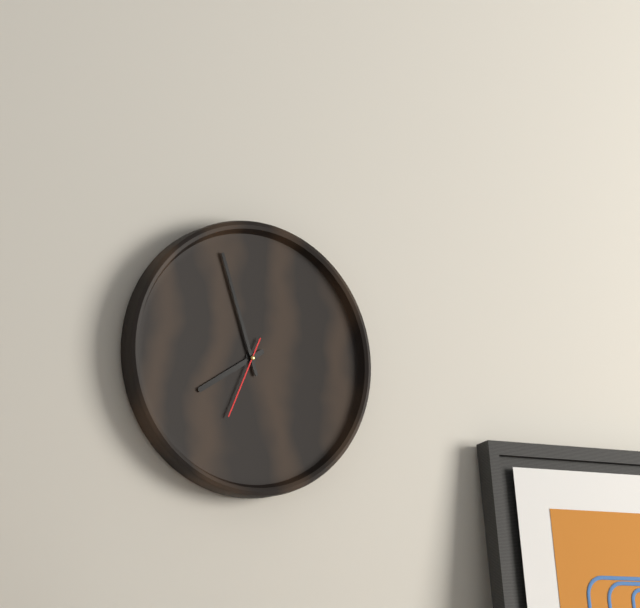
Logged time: {"hour": 7, "minute": 57, "second": 34}
